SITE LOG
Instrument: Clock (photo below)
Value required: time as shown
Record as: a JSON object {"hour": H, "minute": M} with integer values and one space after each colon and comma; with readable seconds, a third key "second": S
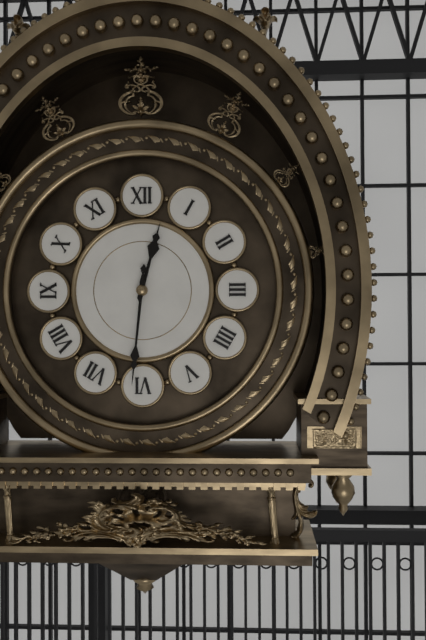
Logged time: {"hour": 12, "minute": 31}
